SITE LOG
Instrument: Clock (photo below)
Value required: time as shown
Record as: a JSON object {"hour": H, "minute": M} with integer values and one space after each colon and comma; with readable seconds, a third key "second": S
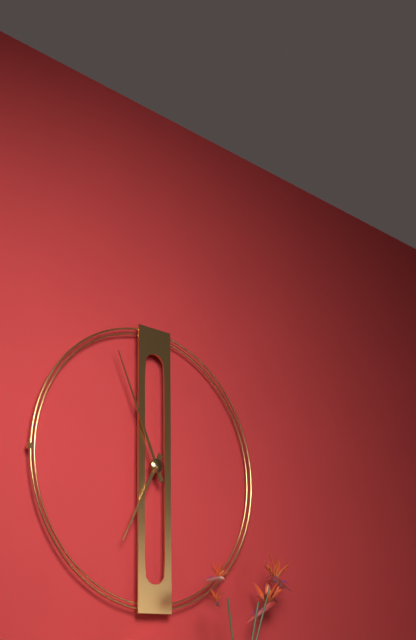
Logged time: {"hour": 6, "minute": 56}
